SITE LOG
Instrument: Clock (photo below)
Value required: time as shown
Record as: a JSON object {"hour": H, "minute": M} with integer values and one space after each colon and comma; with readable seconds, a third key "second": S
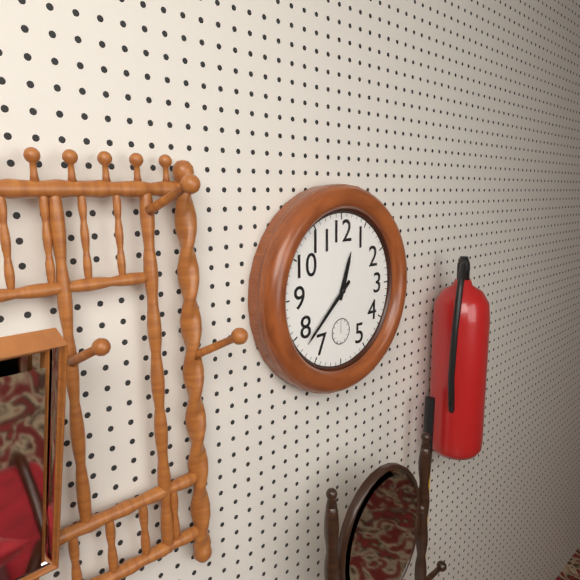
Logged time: {"hour": 12, "minute": 38}
